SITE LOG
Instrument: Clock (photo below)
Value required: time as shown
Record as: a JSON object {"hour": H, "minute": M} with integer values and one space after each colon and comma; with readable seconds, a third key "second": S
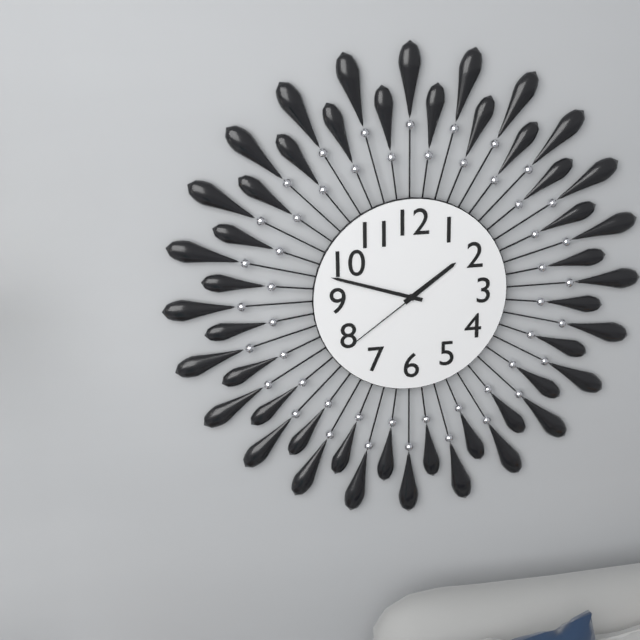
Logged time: {"hour": 1, "minute": 48, "second": 39}
